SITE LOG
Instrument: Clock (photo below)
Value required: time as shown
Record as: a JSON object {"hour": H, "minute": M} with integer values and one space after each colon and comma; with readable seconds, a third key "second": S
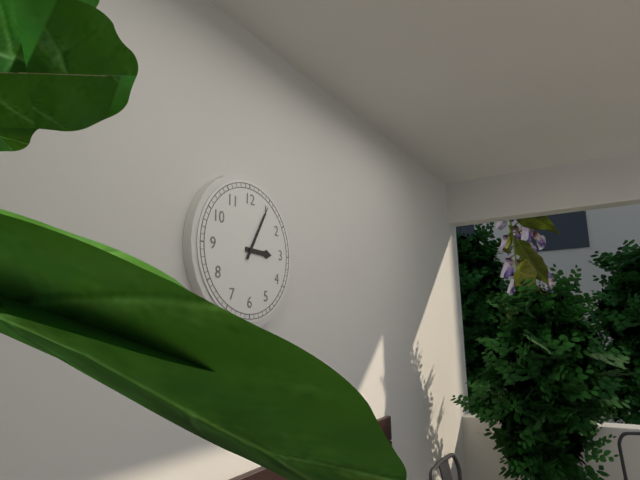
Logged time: {"hour": 3, "minute": 5}
